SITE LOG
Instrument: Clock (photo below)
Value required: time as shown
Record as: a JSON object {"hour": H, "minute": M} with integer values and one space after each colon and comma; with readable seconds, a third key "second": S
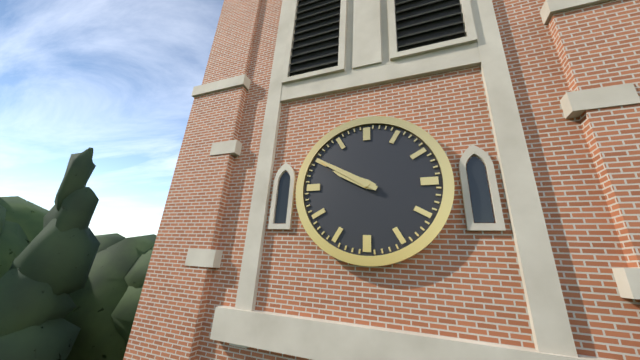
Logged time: {"hour": 9, "minute": 50}
